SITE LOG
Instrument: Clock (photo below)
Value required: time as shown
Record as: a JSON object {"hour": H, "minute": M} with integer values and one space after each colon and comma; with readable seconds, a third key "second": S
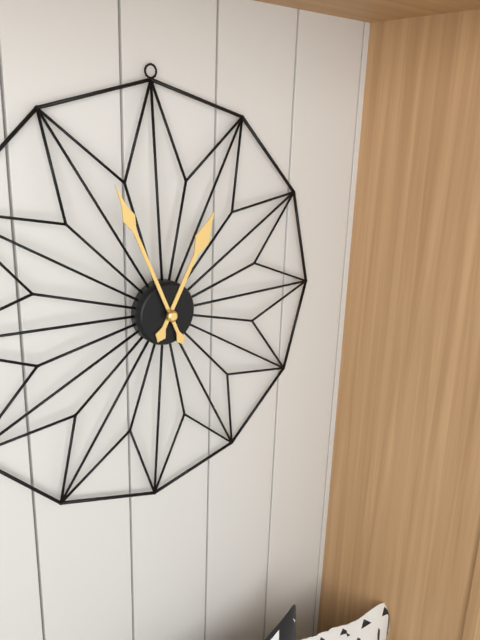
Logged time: {"hour": 12, "minute": 56}
